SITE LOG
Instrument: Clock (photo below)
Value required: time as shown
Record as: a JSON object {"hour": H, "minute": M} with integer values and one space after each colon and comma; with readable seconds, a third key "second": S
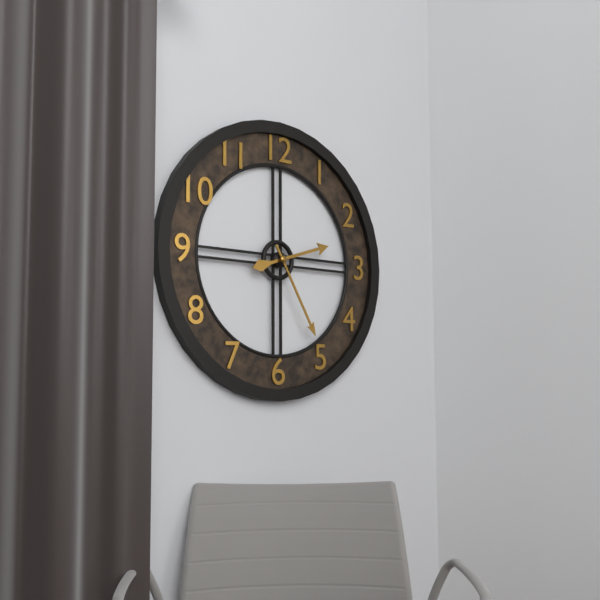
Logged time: {"hour": 2, "minute": 25}
